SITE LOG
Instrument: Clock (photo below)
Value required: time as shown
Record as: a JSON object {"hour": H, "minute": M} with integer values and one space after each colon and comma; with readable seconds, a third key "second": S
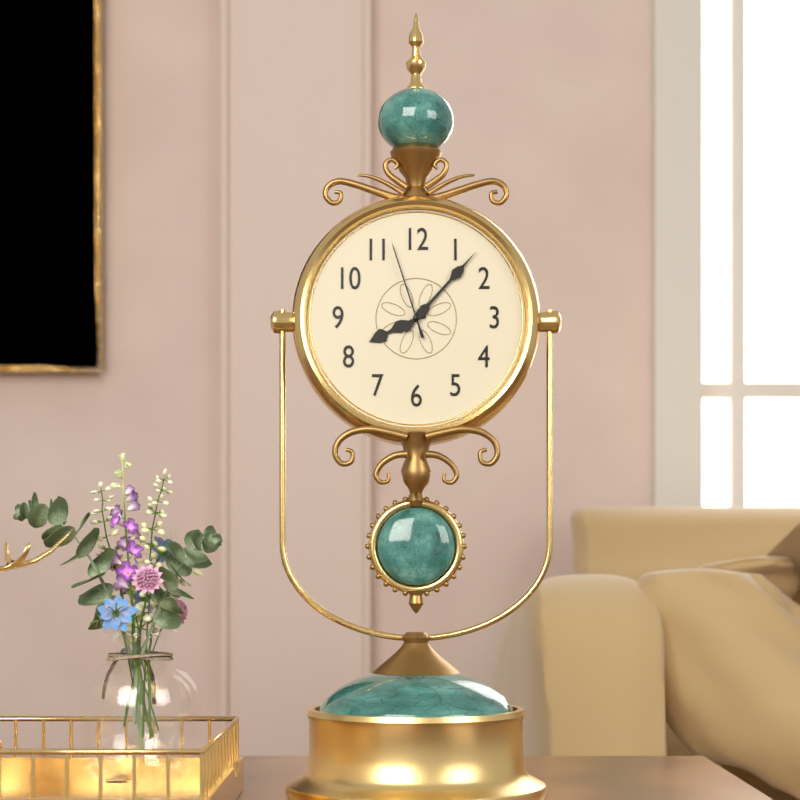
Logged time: {"hour": 8, "minute": 7, "second": 57}
